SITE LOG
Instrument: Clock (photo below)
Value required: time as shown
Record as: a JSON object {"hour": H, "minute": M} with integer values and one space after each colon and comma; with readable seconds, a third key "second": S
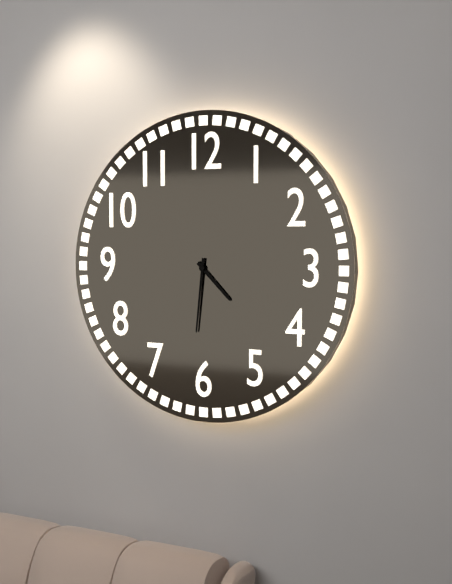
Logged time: {"hour": 4, "minute": 31}
